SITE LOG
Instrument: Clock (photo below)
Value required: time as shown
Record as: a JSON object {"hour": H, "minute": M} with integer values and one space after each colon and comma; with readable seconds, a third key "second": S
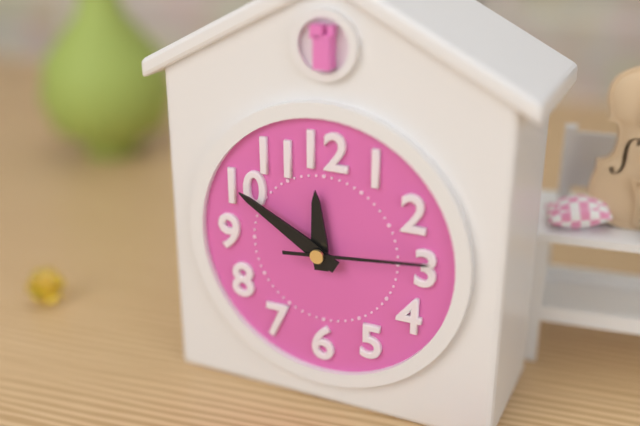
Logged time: {"hour": 11, "minute": 50, "second": 14}
